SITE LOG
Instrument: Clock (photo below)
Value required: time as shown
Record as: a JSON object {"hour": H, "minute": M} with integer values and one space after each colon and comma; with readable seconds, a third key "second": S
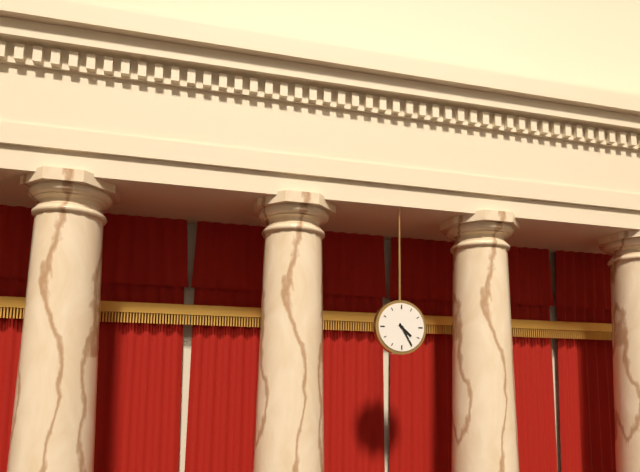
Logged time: {"hour": 4, "minute": 25}
